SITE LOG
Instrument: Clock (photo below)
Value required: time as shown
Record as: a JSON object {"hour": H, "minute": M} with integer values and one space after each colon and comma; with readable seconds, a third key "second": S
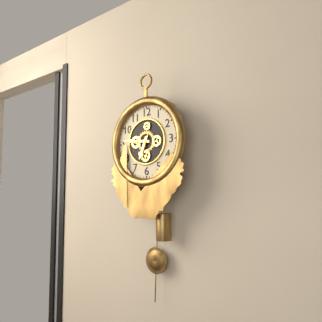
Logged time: {"hour": 6, "minute": 46}
